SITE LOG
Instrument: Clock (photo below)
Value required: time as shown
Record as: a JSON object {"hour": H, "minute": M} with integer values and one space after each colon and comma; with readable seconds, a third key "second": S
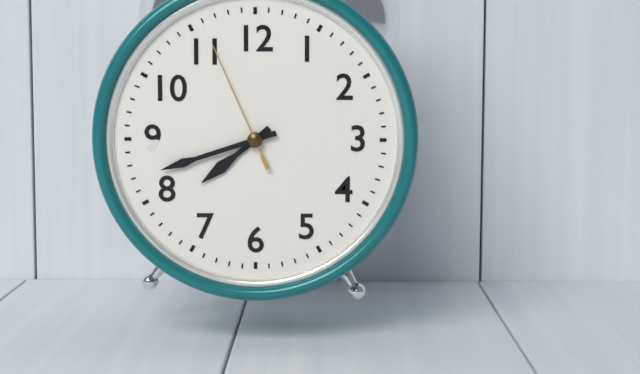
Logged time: {"hour": 7, "minute": 42, "second": 56}
